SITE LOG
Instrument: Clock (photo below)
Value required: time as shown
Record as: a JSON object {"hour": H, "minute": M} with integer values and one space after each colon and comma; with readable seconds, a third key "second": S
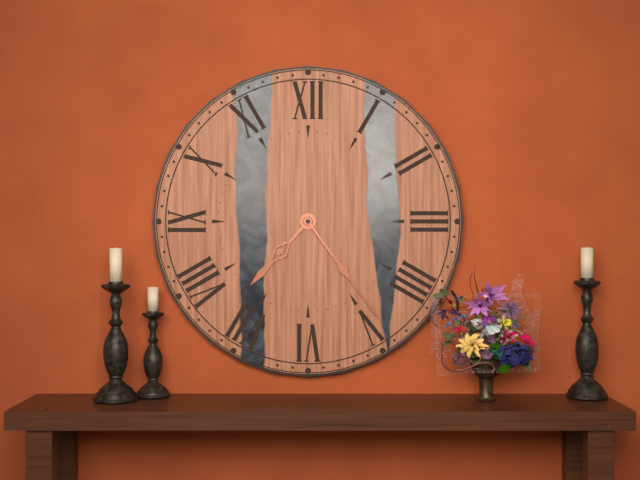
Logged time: {"hour": 7, "minute": 24}
